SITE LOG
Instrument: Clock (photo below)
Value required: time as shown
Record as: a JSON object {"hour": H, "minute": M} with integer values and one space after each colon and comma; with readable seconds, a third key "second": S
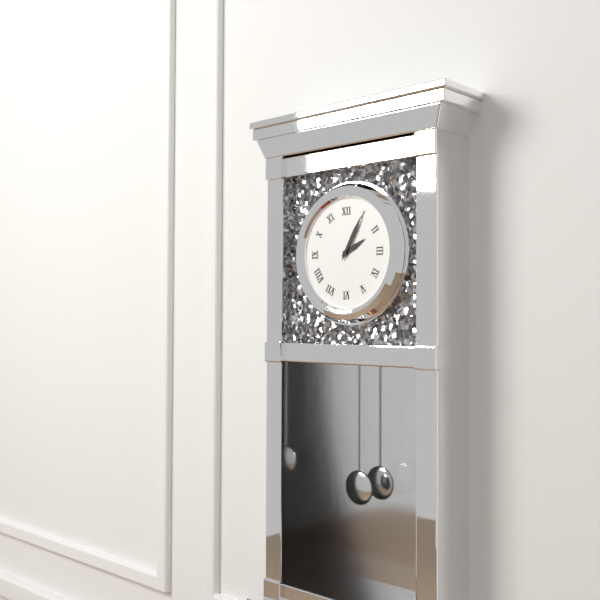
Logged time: {"hour": 2, "minute": 5}
